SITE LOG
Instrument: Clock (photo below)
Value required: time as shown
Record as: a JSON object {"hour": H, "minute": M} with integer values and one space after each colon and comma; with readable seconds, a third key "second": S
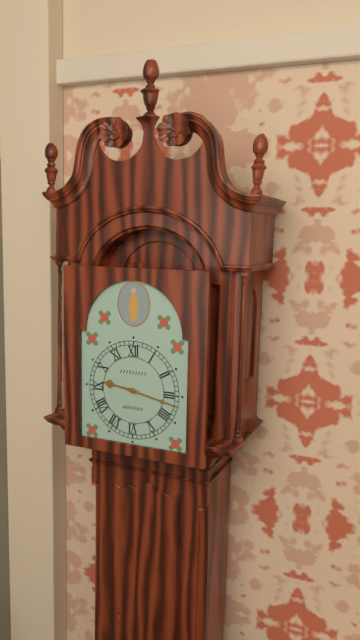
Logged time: {"hour": 9, "minute": 17}
